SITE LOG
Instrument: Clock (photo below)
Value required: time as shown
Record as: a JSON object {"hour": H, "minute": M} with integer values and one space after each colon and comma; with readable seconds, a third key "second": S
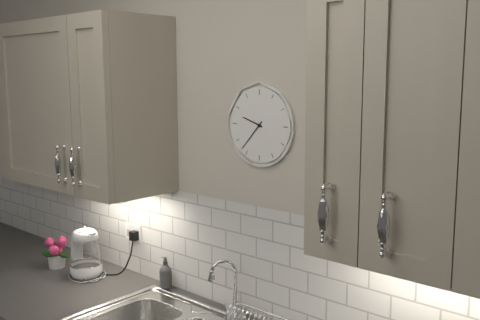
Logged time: {"hour": 9, "minute": 37}
